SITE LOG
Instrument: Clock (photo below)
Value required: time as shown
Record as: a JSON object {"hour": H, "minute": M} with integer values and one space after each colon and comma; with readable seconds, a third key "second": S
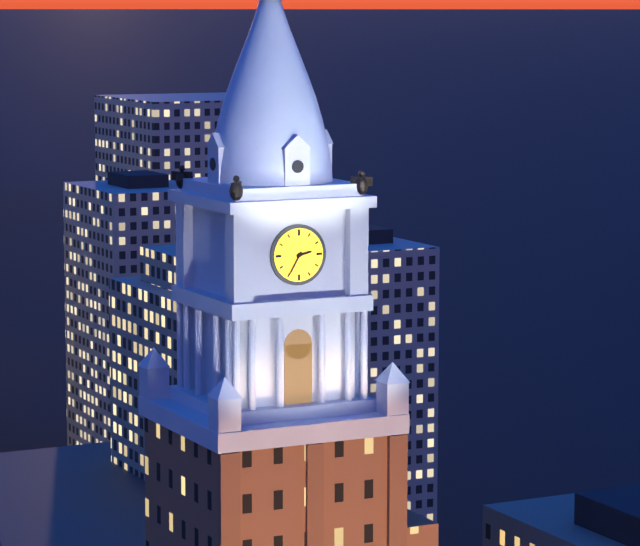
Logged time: {"hour": 2, "minute": 35}
